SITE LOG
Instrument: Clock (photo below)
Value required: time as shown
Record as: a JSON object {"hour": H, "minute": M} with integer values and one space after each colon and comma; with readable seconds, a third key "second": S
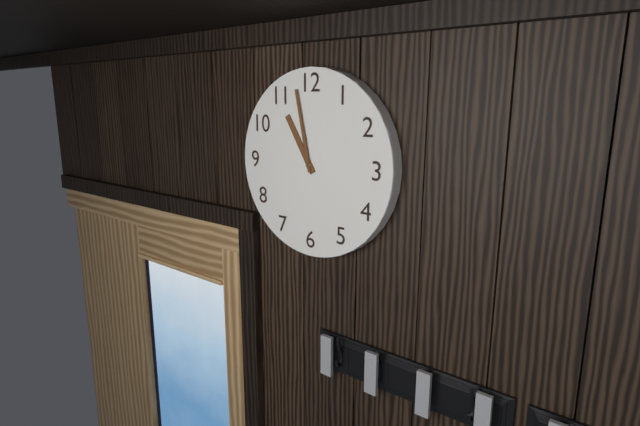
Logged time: {"hour": 10, "minute": 58}
